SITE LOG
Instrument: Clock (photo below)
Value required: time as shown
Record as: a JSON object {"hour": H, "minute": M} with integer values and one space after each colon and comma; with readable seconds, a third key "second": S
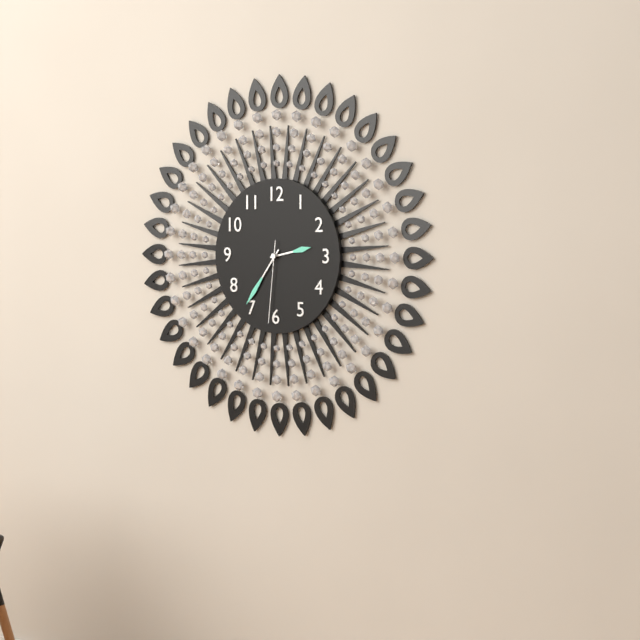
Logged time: {"hour": 2, "minute": 36, "second": 31}
